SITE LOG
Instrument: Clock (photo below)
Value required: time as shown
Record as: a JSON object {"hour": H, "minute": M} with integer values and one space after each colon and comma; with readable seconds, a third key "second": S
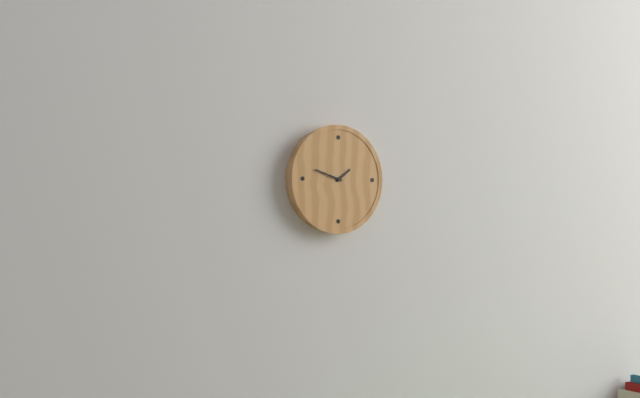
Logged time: {"hour": 1, "minute": 48}
